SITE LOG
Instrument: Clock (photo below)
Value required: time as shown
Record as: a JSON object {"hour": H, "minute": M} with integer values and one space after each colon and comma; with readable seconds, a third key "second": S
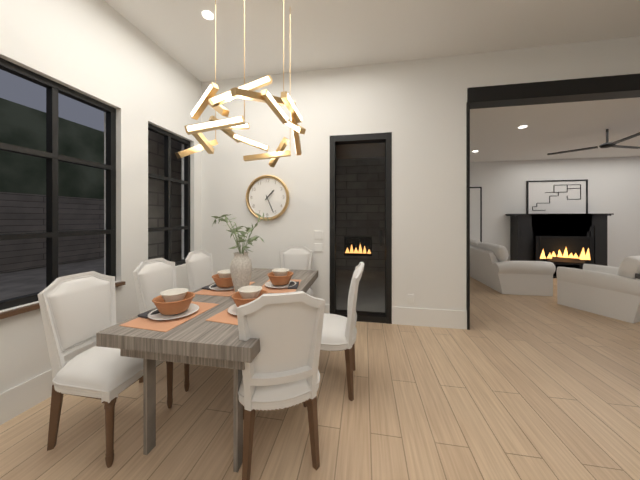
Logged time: {"hour": 1, "minute": 26}
